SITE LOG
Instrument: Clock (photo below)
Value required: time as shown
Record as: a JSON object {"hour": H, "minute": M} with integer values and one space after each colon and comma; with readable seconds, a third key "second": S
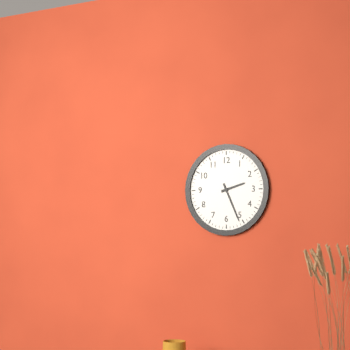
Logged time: {"hour": 2, "minute": 26}
